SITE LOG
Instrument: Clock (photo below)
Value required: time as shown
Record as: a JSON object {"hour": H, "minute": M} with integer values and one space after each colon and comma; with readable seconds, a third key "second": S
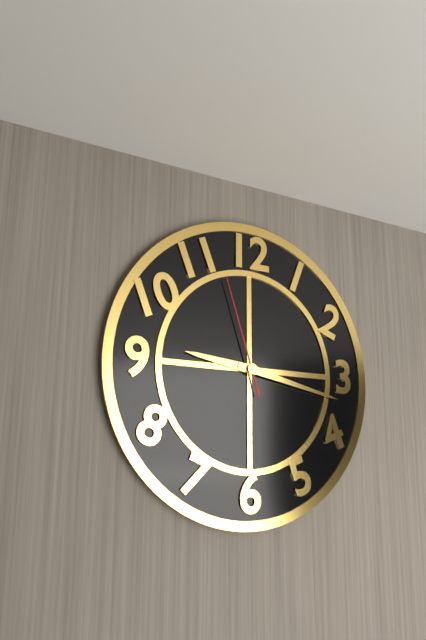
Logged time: {"hour": 9, "minute": 17, "second": 57}
